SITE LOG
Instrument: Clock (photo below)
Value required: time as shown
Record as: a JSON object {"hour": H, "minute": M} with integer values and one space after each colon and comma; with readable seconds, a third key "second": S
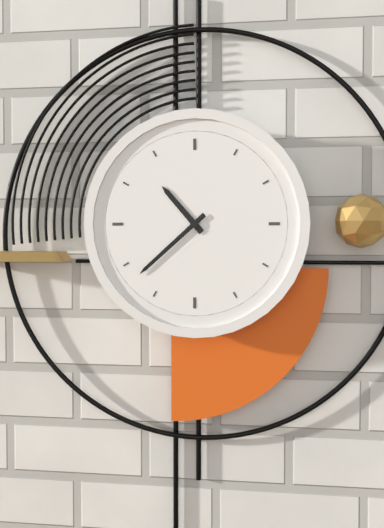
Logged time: {"hour": 10, "minute": 38}
